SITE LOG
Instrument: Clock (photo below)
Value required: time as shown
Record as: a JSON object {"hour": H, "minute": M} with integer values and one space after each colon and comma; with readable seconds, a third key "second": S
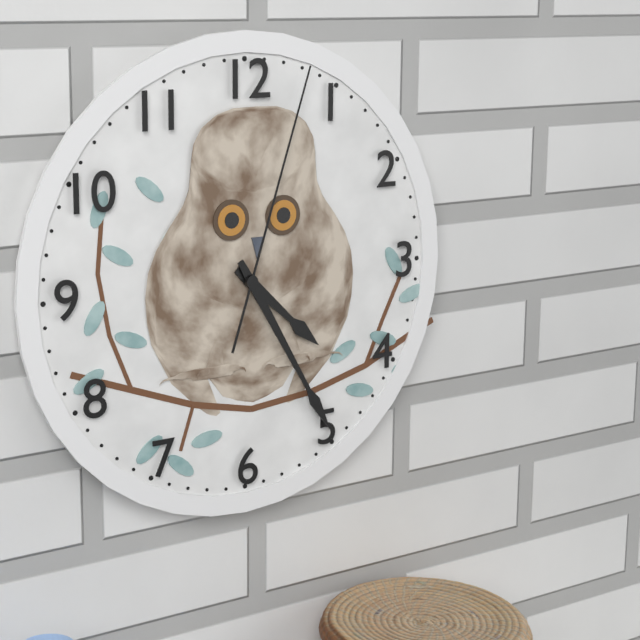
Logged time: {"hour": 4, "minute": 25, "second": 3}
